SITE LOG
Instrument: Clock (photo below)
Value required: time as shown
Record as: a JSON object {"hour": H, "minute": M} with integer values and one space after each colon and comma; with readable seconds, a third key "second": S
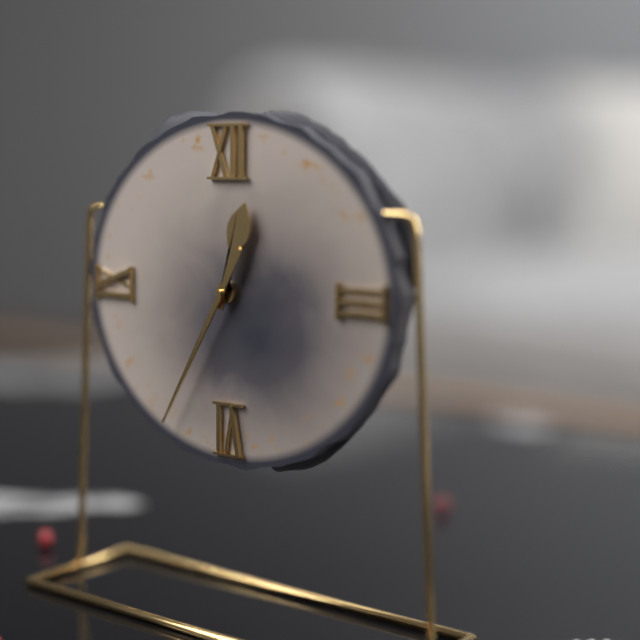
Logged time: {"hour": 12, "minute": 35}
